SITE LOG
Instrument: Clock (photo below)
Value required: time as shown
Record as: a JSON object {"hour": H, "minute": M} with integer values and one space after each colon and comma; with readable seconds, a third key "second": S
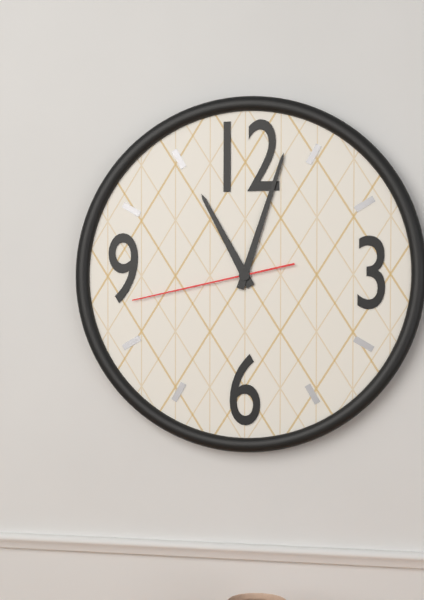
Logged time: {"hour": 11, "minute": 3, "second": 43}
